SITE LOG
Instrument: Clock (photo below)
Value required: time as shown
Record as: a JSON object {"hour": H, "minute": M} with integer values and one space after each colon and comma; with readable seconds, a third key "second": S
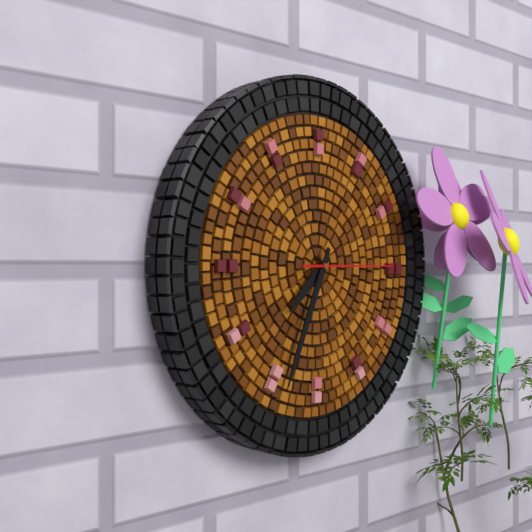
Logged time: {"hour": 7, "minute": 34, "second": 15}
